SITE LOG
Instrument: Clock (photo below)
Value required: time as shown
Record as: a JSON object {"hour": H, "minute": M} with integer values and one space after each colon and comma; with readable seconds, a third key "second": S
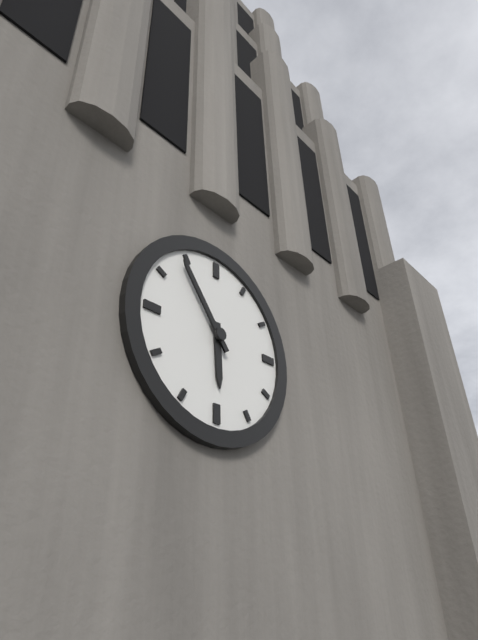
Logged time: {"hour": 5, "minute": 54}
